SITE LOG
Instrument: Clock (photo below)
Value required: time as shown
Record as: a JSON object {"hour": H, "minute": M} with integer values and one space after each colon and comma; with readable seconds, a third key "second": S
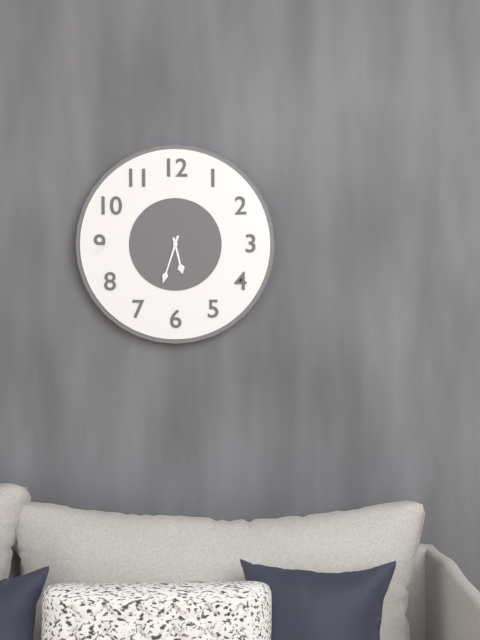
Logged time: {"hour": 5, "minute": 33}
